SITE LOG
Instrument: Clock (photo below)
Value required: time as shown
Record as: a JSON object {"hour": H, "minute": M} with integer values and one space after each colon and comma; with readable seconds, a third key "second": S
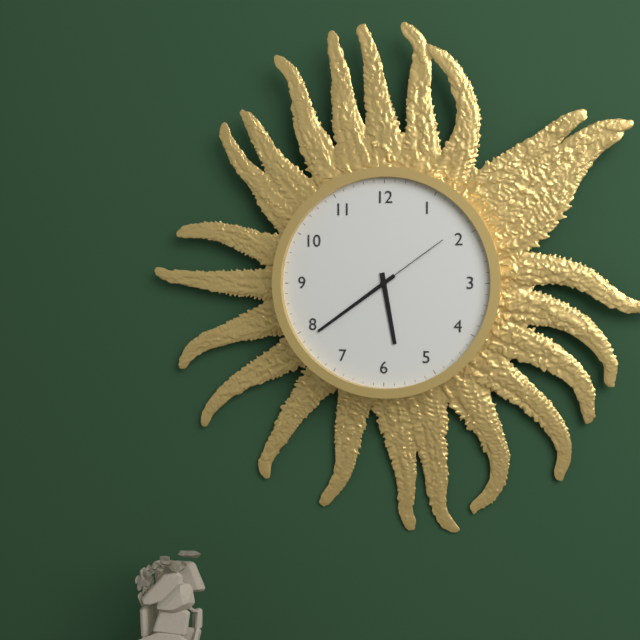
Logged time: {"hour": 5, "minute": 39, "second": 9}
